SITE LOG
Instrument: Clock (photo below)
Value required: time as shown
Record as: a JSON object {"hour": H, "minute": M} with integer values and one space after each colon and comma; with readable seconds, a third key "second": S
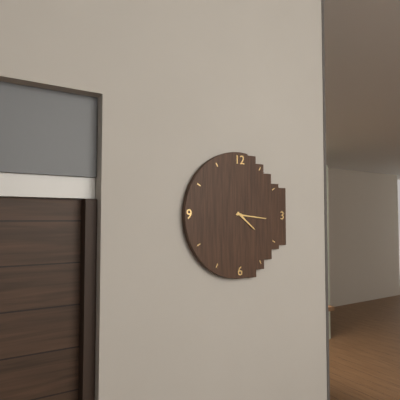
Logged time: {"hour": 4, "minute": 16}
